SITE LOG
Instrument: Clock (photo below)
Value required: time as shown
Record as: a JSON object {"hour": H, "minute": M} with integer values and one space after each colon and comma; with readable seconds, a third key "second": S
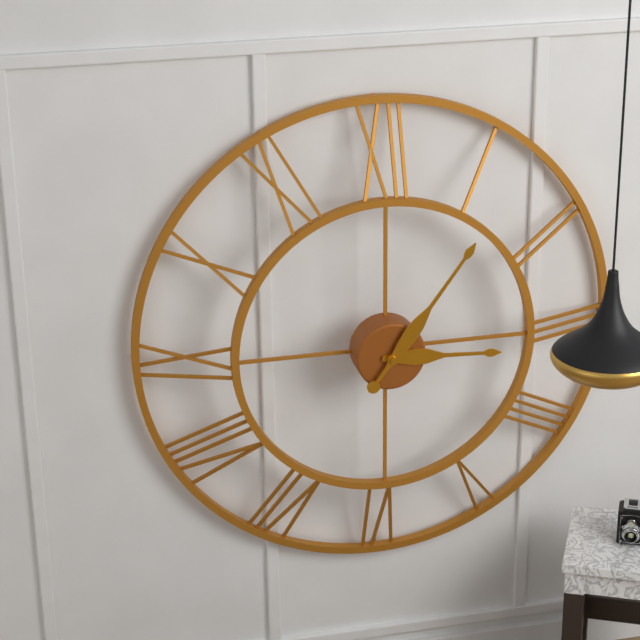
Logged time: {"hour": 3, "minute": 6}
